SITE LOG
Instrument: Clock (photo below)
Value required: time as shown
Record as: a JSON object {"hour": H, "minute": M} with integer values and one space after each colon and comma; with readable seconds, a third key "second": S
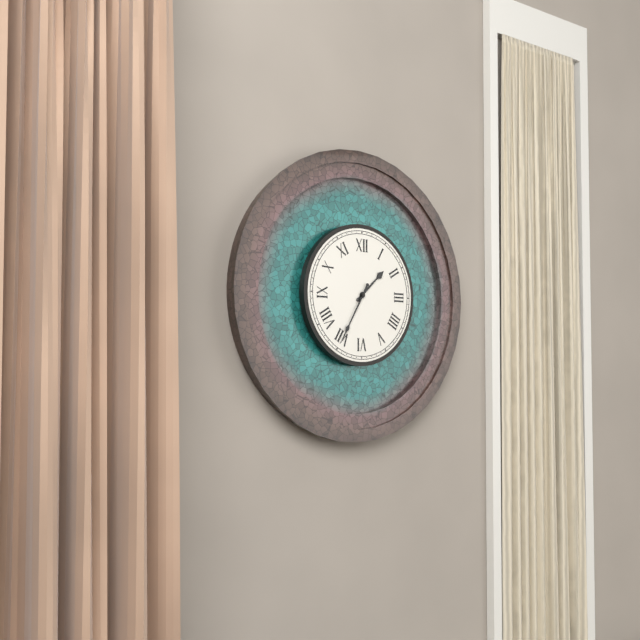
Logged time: {"hour": 1, "minute": 35}
